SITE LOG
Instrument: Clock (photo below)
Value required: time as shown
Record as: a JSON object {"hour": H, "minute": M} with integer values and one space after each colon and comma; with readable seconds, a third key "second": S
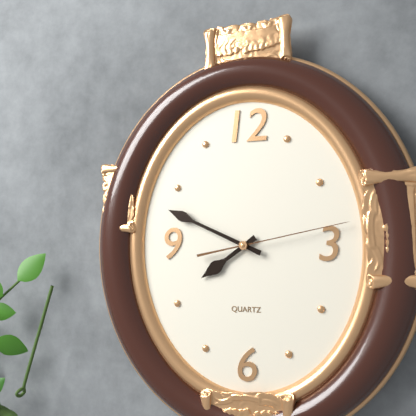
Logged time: {"hour": 7, "minute": 49, "second": 13}
